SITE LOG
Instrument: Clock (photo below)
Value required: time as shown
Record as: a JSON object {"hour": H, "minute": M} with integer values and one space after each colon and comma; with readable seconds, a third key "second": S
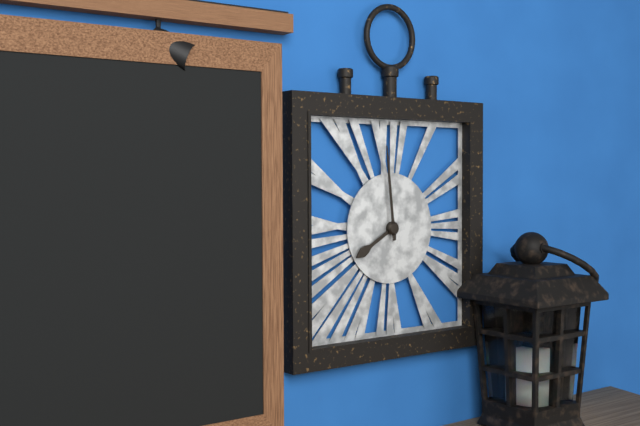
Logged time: {"hour": 7, "minute": 59}
